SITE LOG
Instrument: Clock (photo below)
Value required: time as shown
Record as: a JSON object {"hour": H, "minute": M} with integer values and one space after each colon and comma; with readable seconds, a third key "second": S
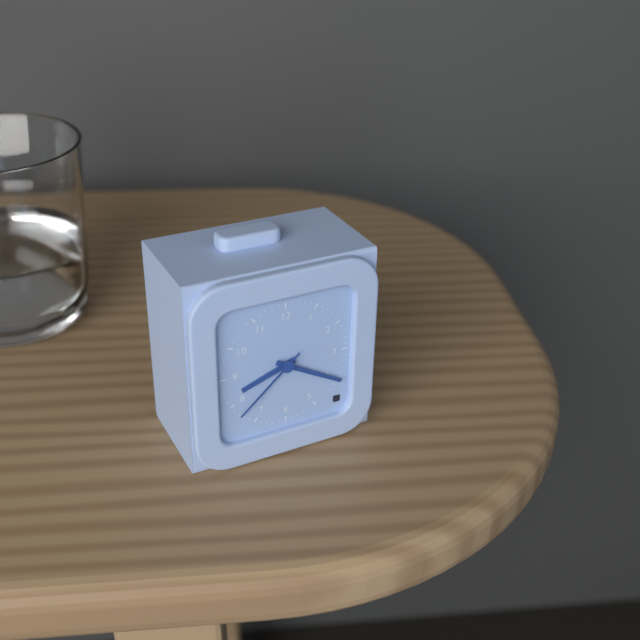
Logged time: {"hour": 8, "minute": 20, "second": 38}
